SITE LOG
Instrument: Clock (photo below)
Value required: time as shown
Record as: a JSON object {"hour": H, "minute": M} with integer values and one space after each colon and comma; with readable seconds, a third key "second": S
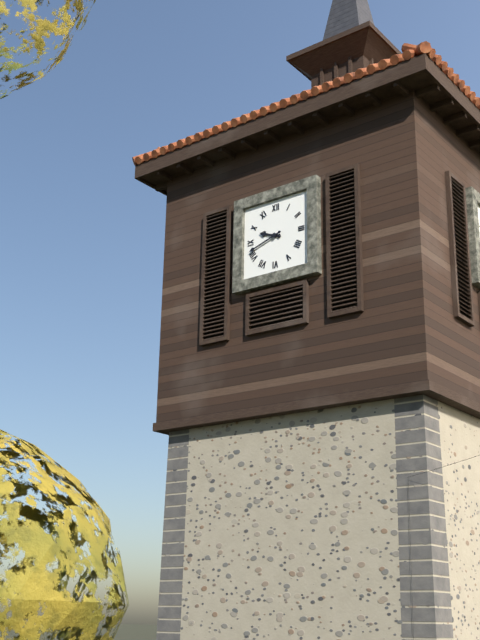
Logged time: {"hour": 9, "minute": 42}
